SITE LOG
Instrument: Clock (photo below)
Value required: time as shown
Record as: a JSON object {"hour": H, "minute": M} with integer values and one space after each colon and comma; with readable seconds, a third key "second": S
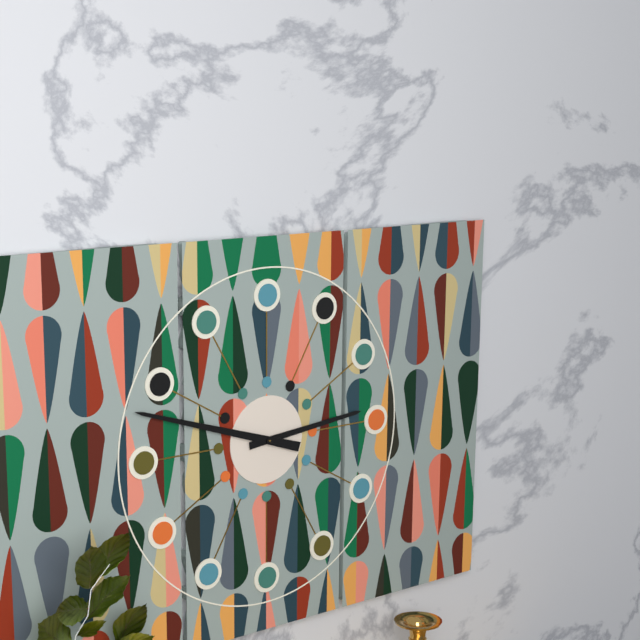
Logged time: {"hour": 2, "minute": 48}
